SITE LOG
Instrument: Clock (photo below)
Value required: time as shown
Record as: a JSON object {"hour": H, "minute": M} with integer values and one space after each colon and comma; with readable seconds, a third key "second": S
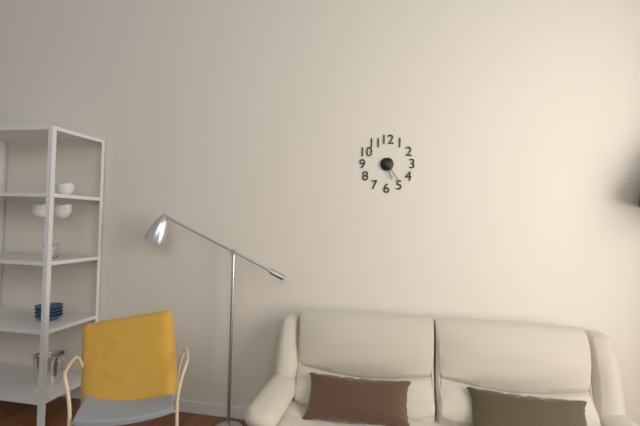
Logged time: {"hour": 5, "minute": 24}
